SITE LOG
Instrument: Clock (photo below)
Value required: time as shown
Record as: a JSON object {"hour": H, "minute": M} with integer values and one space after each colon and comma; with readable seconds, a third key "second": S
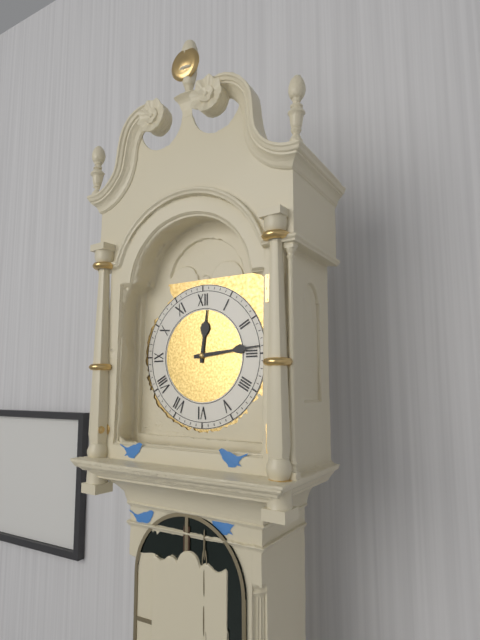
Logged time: {"hour": 12, "minute": 14}
